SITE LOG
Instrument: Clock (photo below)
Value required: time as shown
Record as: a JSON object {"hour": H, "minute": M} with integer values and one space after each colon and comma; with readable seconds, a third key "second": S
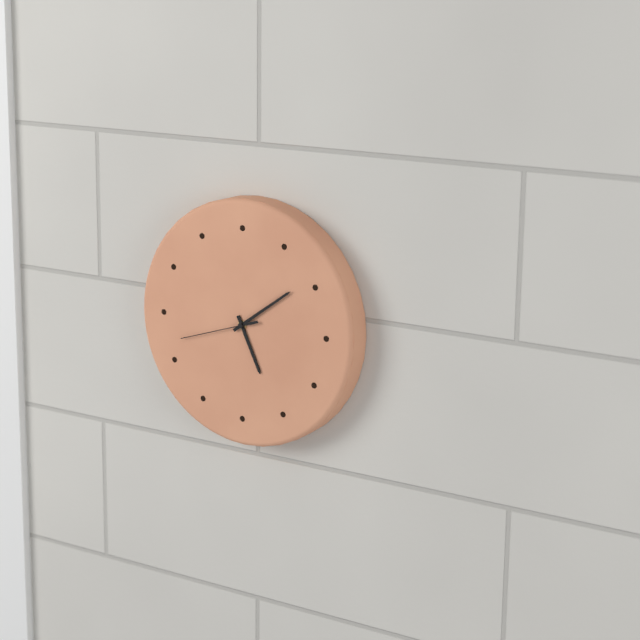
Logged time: {"hour": 5, "minute": 9, "second": 42}
